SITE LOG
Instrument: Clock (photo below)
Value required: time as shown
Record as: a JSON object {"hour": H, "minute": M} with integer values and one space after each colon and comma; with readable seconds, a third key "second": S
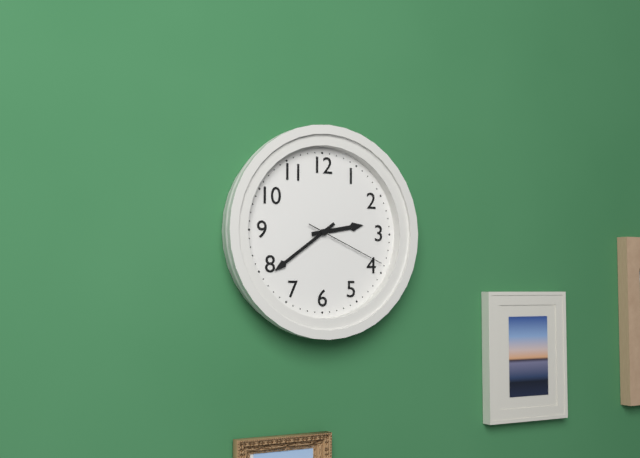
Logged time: {"hour": 2, "minute": 39, "second": 19}
